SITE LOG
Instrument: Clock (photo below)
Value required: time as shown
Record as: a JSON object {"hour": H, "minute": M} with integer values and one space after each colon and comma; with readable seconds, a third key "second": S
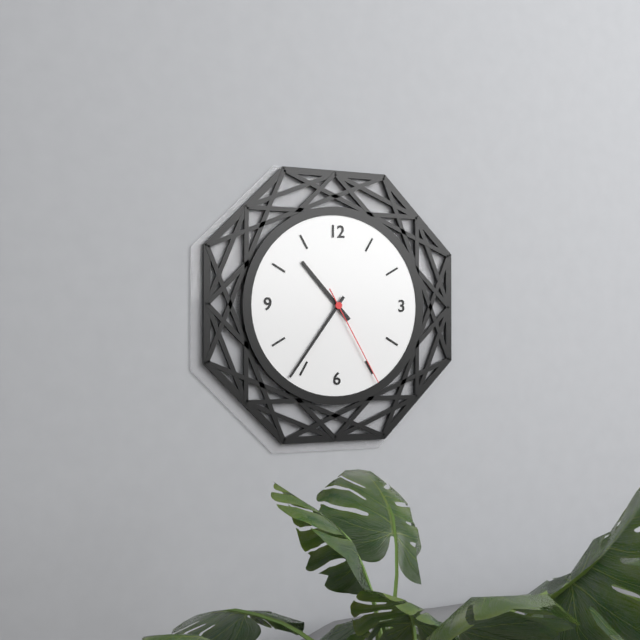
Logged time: {"hour": 10, "minute": 36, "second": 25}
